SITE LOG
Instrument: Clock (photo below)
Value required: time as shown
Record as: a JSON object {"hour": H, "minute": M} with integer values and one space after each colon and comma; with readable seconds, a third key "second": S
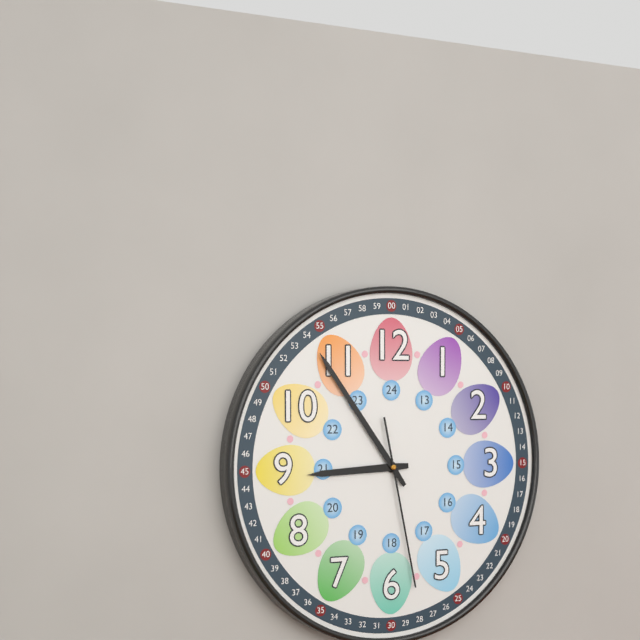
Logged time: {"hour": 8, "minute": 54, "second": 28}
